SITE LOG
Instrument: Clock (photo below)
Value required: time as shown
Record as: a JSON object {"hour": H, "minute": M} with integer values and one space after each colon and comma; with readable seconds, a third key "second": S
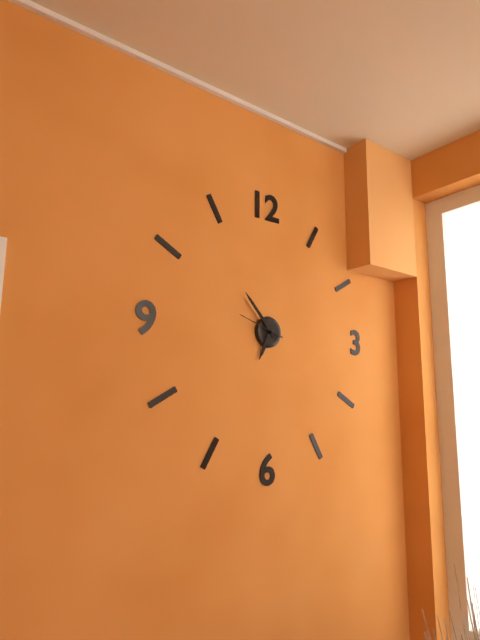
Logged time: {"hour": 6, "minute": 53}
